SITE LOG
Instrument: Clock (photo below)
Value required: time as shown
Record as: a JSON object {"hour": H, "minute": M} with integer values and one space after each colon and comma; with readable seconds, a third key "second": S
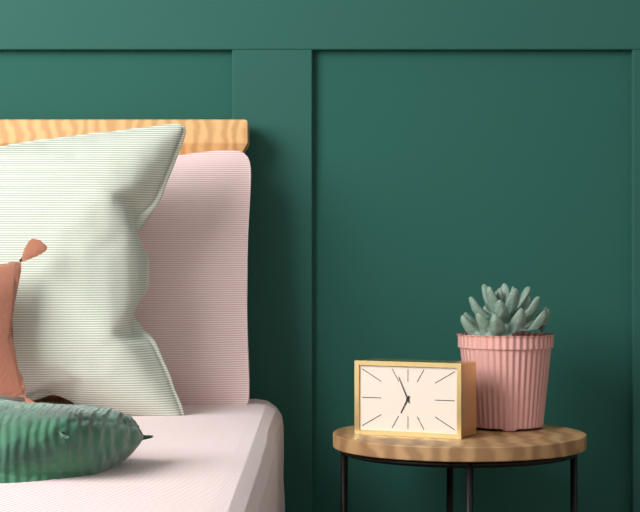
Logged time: {"hour": 6, "minute": 56}
